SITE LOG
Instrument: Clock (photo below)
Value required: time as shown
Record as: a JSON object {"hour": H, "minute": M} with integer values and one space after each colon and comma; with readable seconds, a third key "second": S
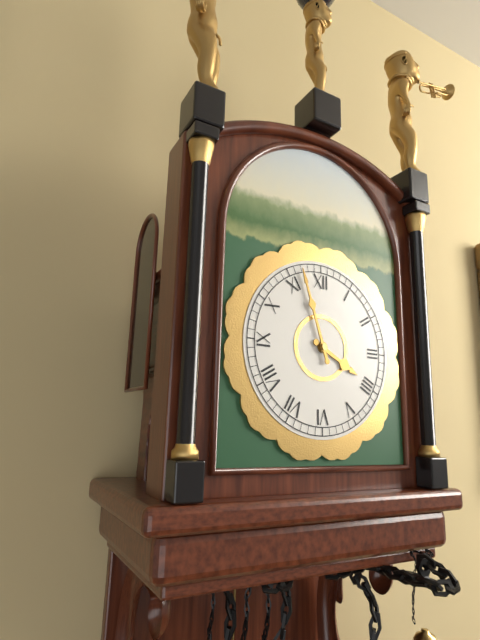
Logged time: {"hour": 3, "minute": 57}
